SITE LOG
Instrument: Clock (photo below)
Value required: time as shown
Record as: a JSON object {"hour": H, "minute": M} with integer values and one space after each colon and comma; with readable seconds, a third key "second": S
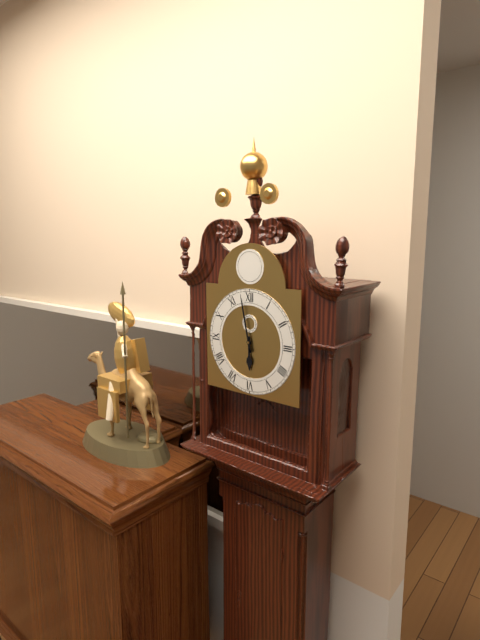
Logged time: {"hour": 5, "minute": 58}
